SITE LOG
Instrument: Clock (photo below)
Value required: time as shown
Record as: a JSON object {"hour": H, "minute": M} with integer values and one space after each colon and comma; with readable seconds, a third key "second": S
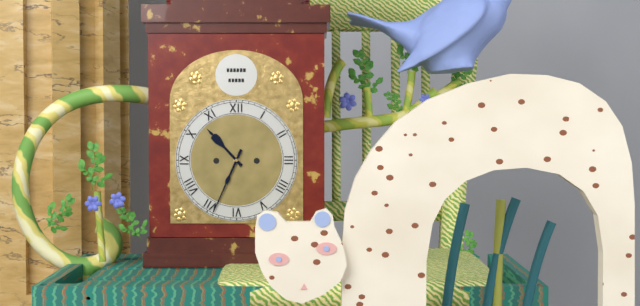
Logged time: {"hour": 10, "minute": 34}
